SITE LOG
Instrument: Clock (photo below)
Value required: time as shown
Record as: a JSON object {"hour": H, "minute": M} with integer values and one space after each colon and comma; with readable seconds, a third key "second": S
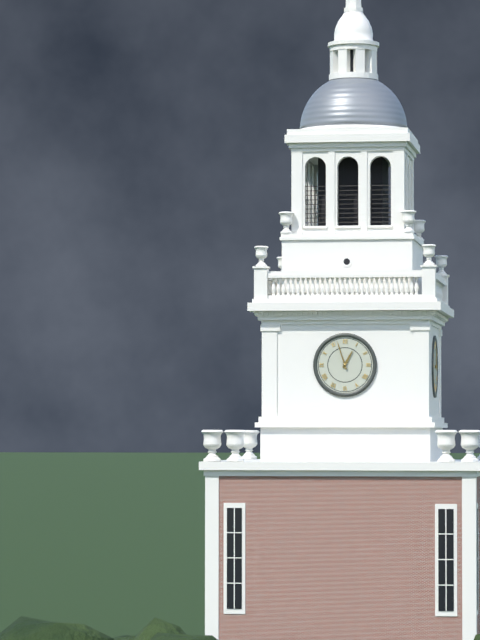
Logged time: {"hour": 12, "minute": 57}
